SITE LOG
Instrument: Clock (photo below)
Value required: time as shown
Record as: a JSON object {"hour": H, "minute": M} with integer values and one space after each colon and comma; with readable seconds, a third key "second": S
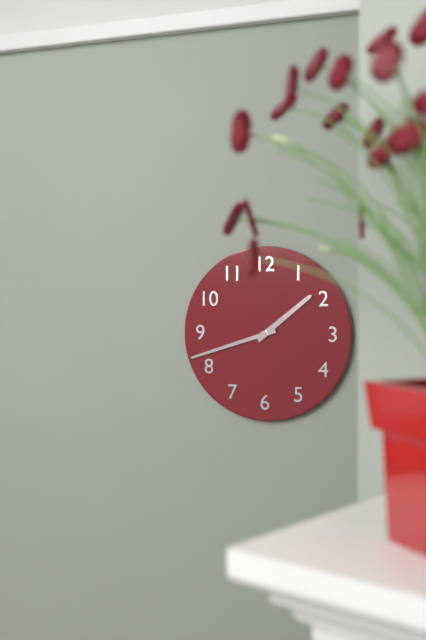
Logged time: {"hour": 1, "minute": 42}
